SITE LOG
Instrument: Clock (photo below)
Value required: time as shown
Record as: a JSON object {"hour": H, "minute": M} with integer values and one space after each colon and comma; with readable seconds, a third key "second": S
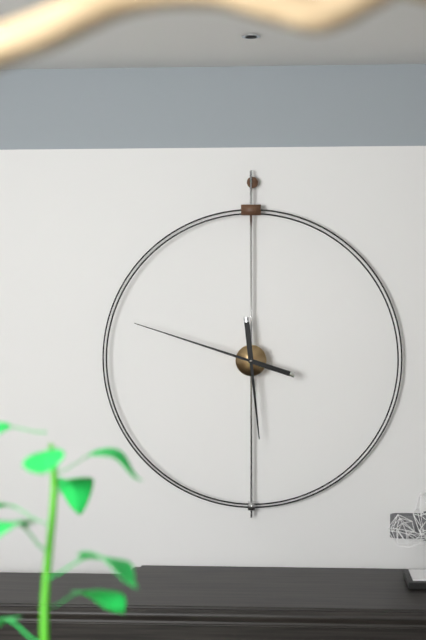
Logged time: {"hour": 5, "minute": 48}
